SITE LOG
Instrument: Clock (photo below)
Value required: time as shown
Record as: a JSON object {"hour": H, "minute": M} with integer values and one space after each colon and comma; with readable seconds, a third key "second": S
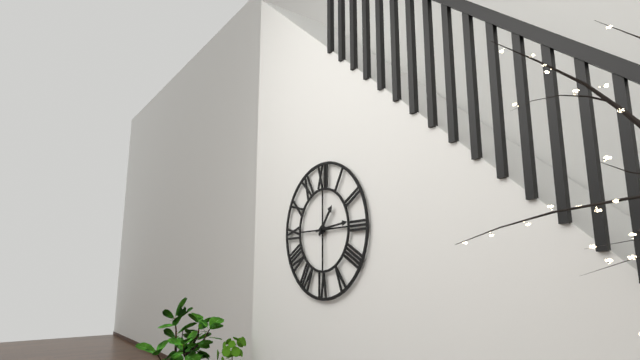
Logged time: {"hour": 1, "minute": 14}
